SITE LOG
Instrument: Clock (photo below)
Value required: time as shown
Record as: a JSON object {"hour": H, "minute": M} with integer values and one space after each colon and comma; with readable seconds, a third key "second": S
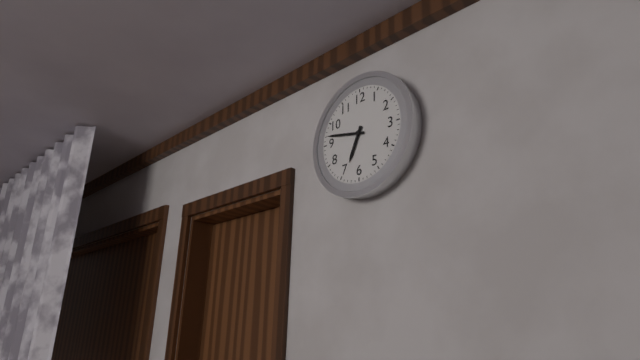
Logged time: {"hour": 6, "minute": 47}
